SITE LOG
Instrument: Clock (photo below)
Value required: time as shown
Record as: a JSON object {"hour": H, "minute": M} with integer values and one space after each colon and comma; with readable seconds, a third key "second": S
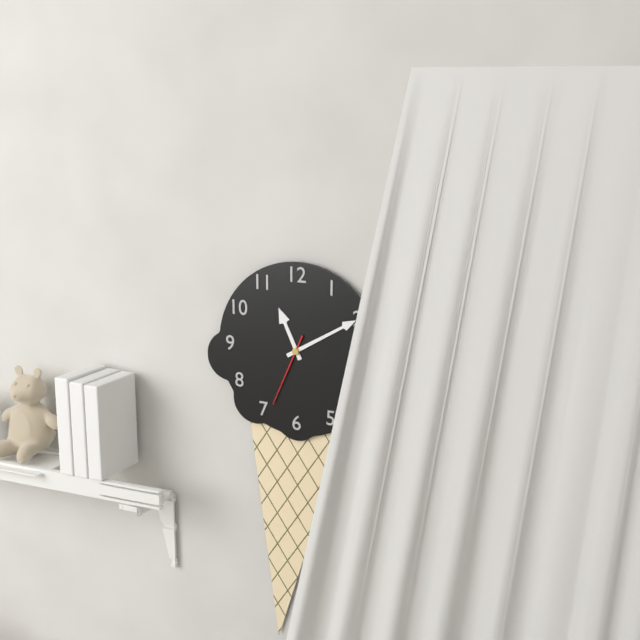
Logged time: {"hour": 11, "minute": 10, "second": 34}
